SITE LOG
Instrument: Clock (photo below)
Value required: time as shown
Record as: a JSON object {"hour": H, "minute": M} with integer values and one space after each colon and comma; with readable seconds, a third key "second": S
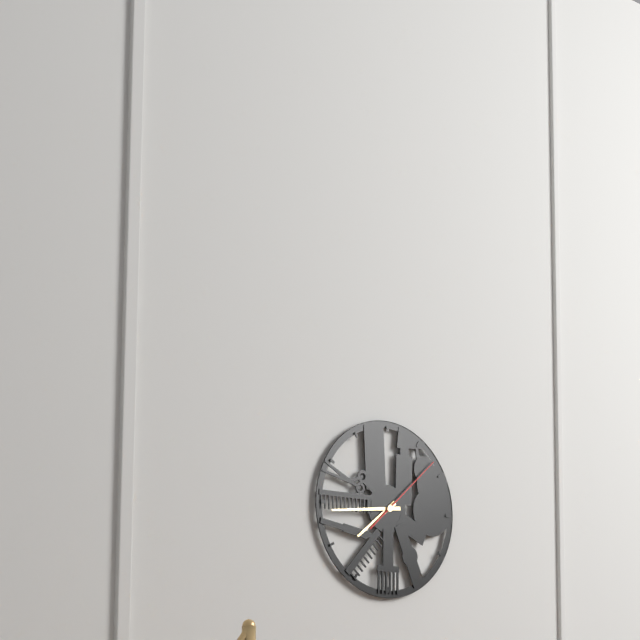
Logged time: {"hour": 7, "minute": 44, "second": 8}
